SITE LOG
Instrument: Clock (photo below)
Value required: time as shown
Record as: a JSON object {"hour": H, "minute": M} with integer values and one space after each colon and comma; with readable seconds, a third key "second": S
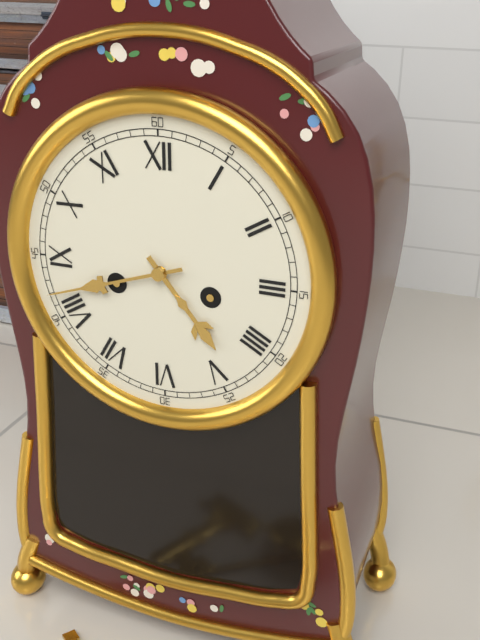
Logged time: {"hour": 4, "minute": 42}
